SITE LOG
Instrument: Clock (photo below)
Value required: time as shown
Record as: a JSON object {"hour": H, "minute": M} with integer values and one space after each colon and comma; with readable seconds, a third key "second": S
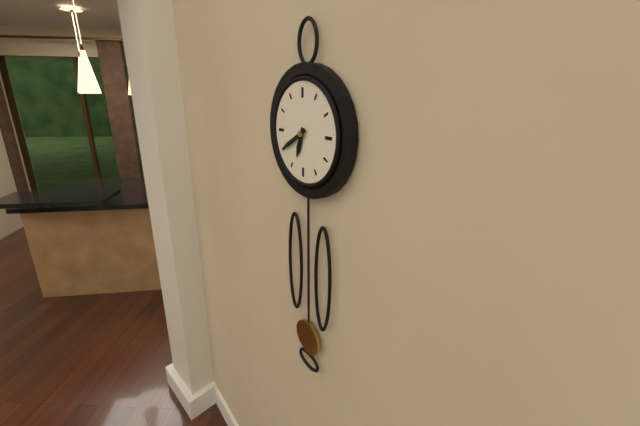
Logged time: {"hour": 6, "minute": 40}
